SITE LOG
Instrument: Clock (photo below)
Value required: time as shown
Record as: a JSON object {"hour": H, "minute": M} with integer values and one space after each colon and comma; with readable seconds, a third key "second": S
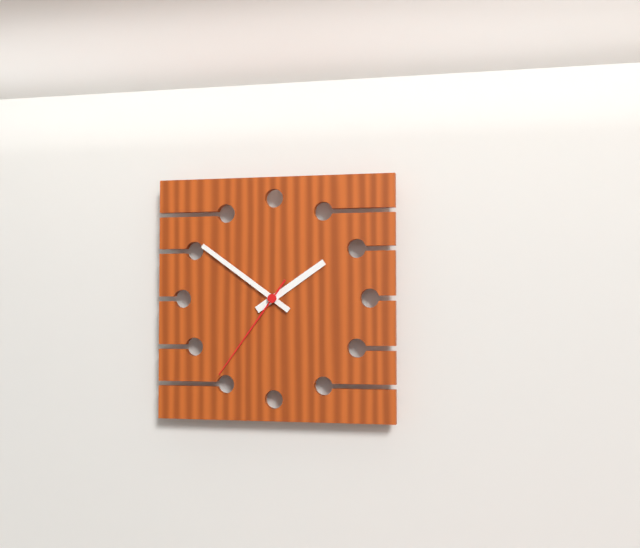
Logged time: {"hour": 1, "minute": 51, "second": 36}
